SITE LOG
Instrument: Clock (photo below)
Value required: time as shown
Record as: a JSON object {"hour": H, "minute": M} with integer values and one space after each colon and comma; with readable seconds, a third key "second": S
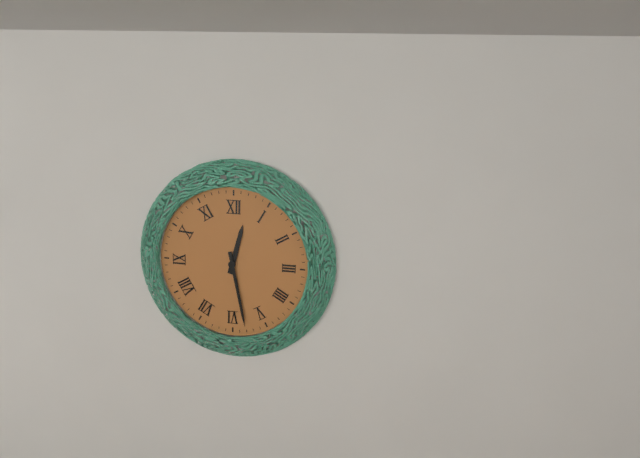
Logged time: {"hour": 12, "minute": 28}
